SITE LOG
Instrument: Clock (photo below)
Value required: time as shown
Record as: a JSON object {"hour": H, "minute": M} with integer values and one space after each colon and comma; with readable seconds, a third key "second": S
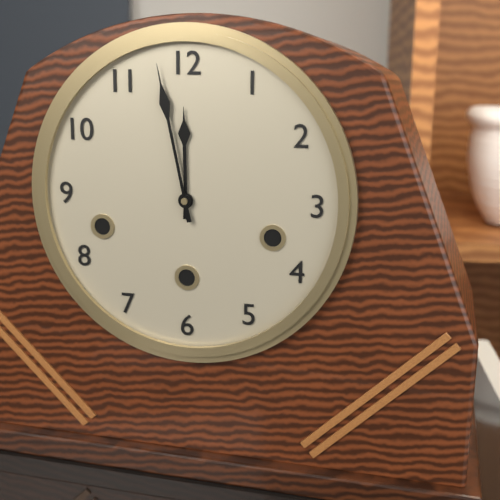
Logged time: {"hour": 11, "minute": 58}
